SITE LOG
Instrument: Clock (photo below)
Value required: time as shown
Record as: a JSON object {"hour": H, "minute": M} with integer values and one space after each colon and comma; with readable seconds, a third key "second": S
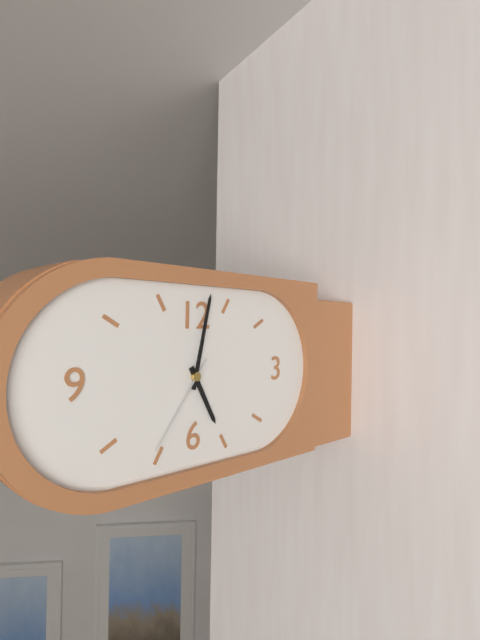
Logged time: {"hour": 5, "minute": 2, "second": 36}
